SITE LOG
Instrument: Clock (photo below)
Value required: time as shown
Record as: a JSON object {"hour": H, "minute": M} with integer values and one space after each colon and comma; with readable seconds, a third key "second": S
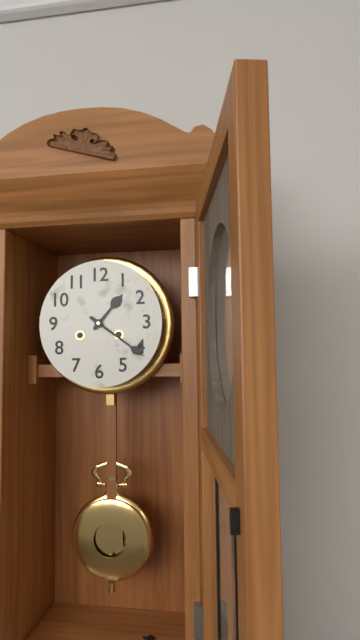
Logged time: {"hour": 1, "minute": 21}
